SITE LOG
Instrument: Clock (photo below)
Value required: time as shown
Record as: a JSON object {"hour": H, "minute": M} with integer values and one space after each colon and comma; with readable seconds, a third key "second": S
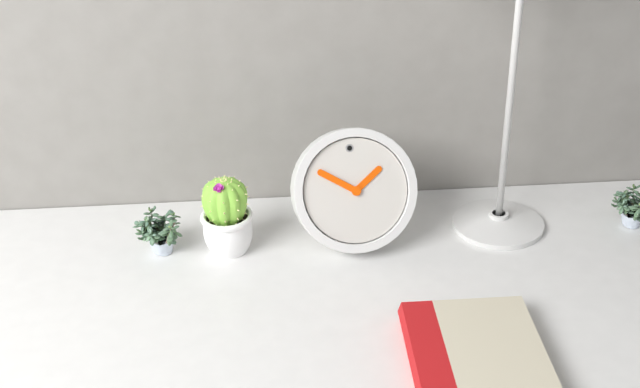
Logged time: {"hour": 1, "minute": 51}
